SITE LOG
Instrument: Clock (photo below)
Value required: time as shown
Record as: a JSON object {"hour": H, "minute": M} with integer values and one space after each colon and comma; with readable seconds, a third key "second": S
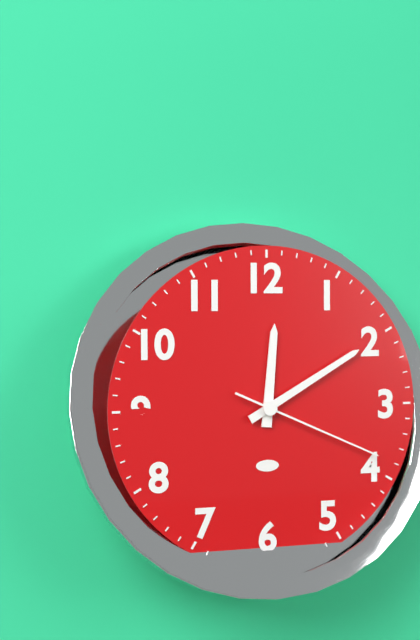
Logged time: {"hour": 12, "minute": 10, "second": 19}
